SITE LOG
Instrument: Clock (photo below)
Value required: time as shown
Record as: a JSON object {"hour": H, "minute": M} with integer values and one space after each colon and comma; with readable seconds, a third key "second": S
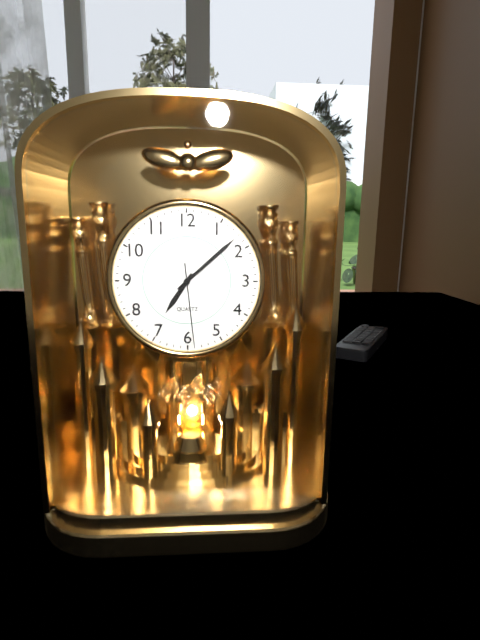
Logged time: {"hour": 7, "minute": 8, "second": 29}
